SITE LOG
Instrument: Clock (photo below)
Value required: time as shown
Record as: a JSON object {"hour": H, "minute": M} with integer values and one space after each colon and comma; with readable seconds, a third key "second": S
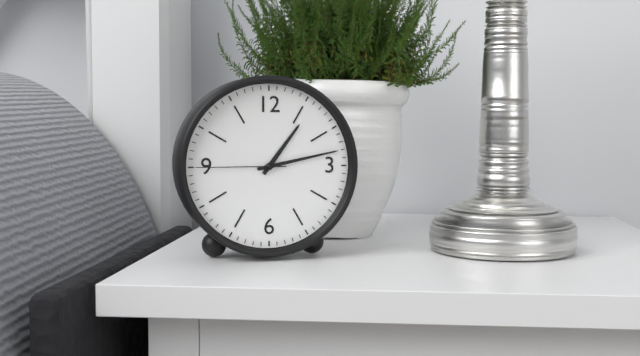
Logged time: {"hour": 1, "minute": 13, "second": 45}
